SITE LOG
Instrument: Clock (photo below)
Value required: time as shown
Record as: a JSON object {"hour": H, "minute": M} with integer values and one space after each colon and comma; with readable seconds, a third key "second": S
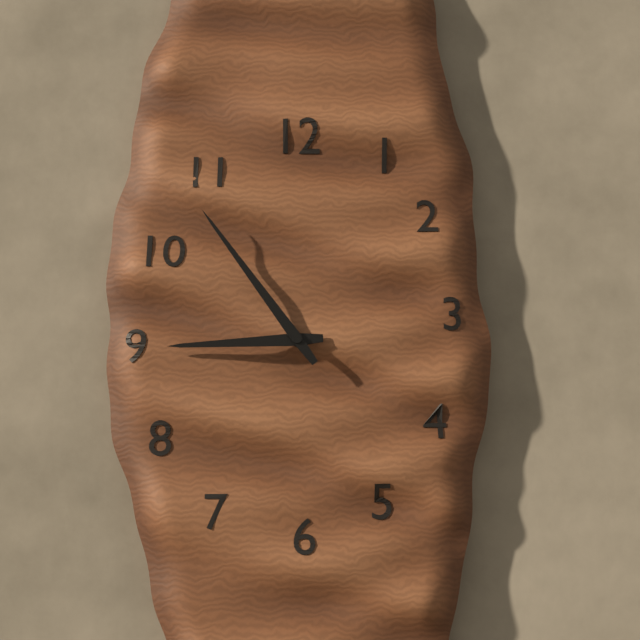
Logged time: {"hour": 8, "minute": 54}
